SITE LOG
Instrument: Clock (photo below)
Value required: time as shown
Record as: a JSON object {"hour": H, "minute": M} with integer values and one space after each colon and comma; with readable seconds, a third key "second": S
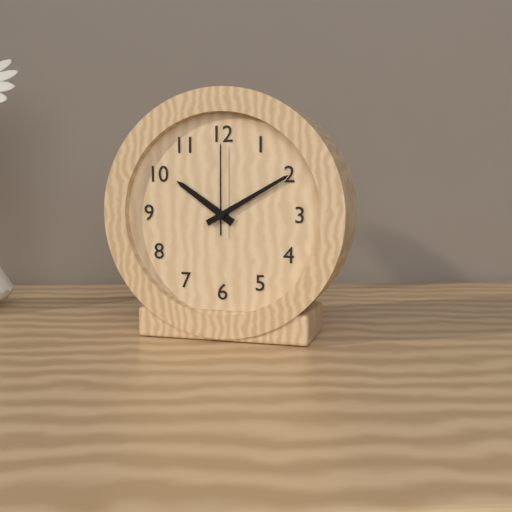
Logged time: {"hour": 10, "minute": 10, "second": 0}
